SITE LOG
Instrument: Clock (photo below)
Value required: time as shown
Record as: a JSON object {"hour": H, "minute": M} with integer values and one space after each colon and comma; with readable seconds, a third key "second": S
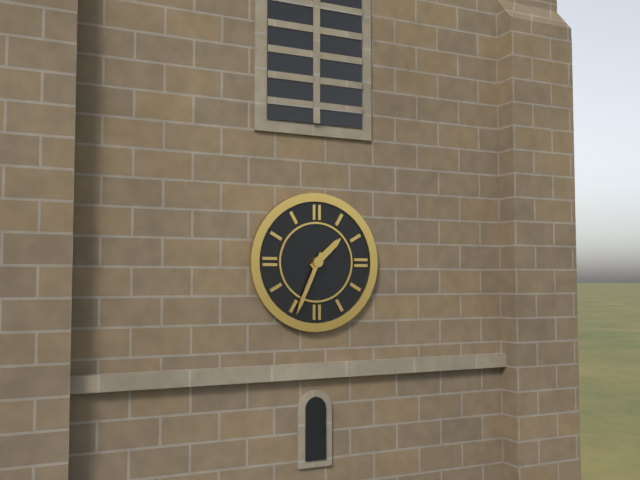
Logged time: {"hour": 1, "minute": 34}
